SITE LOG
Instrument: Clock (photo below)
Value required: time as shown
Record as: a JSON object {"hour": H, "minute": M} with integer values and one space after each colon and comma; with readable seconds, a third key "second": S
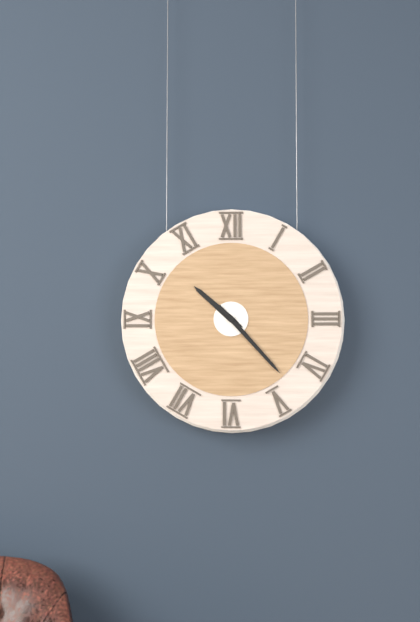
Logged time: {"hour": 10, "minute": 23}
